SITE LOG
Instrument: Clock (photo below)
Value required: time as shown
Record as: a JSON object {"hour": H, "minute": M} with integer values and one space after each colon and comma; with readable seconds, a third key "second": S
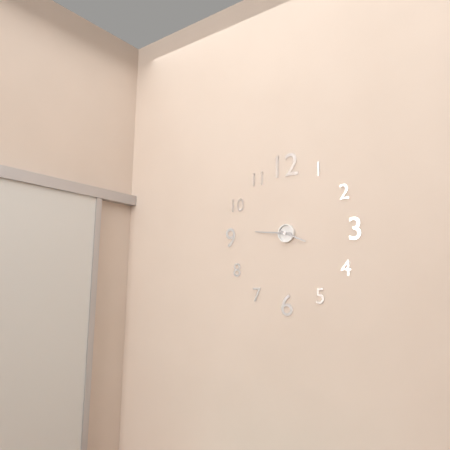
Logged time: {"hour": 3, "minute": 46}
